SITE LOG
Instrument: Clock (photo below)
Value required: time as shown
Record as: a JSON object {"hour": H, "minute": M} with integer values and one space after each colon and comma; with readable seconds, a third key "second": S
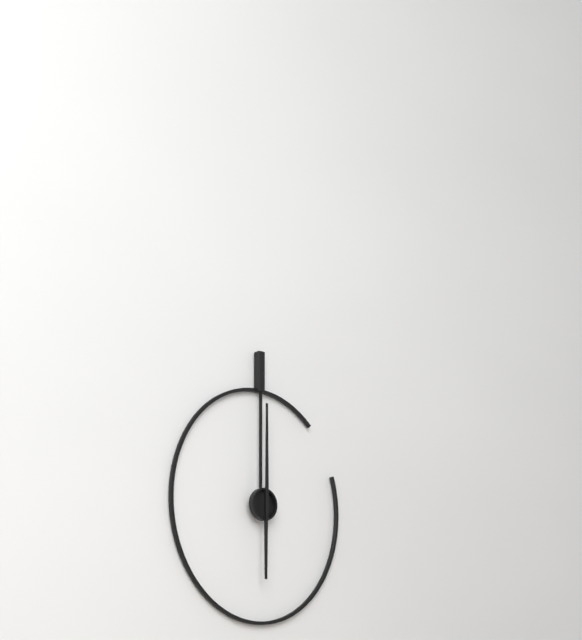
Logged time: {"hour": 6, "minute": 0}
